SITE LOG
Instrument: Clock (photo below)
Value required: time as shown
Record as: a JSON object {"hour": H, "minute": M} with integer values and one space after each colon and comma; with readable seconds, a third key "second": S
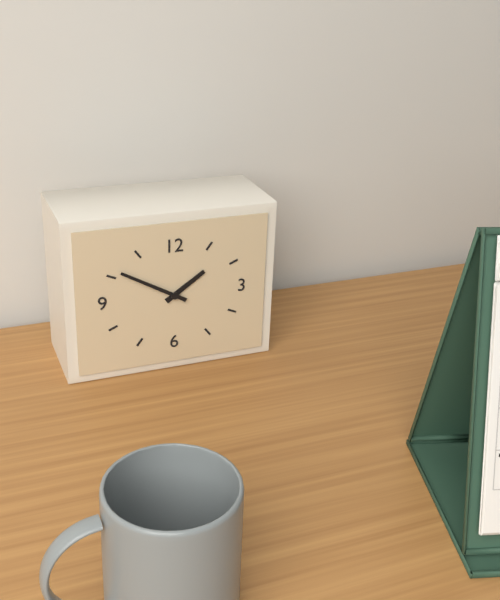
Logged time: {"hour": 1, "minute": 50}
